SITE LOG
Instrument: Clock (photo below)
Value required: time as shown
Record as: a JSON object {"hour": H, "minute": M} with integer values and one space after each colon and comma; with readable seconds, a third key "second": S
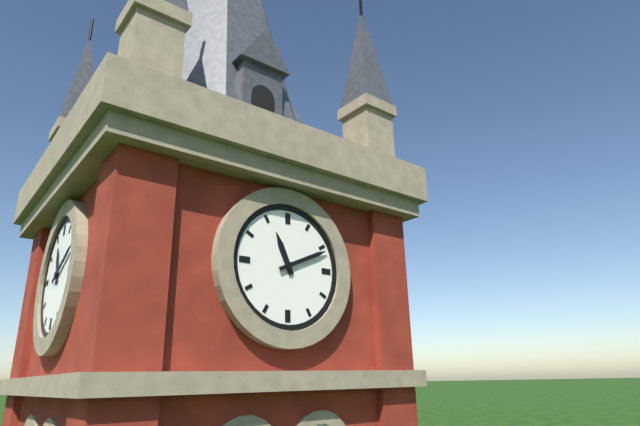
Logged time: {"hour": 11, "minute": 11}
